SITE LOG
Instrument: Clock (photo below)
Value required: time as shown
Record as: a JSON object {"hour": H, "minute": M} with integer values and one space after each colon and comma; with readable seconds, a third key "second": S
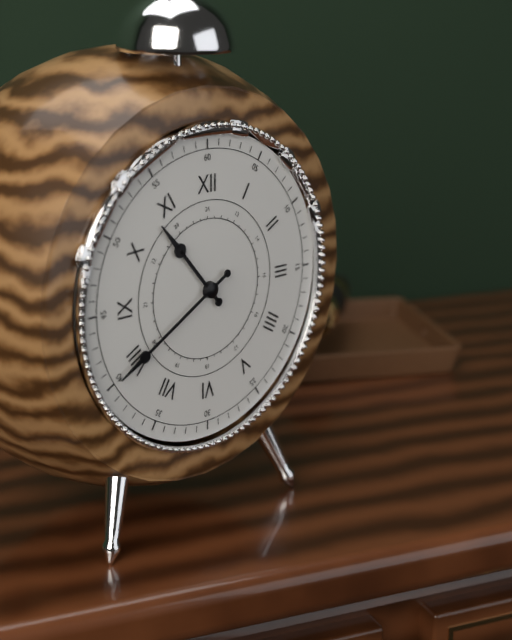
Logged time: {"hour": 10, "minute": 40}
